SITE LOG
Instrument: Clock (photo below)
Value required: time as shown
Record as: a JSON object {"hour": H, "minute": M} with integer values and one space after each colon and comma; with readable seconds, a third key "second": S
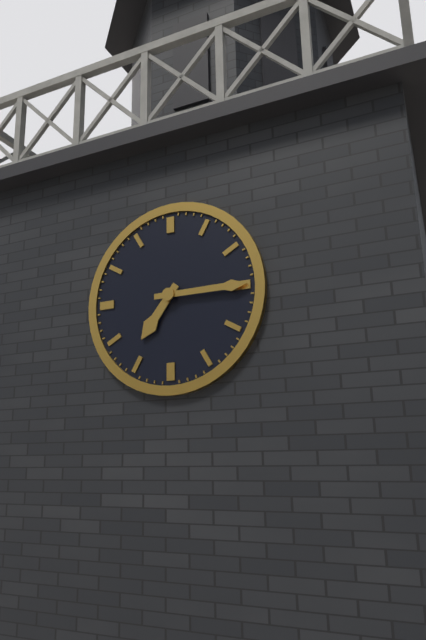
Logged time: {"hour": 7, "minute": 15}
